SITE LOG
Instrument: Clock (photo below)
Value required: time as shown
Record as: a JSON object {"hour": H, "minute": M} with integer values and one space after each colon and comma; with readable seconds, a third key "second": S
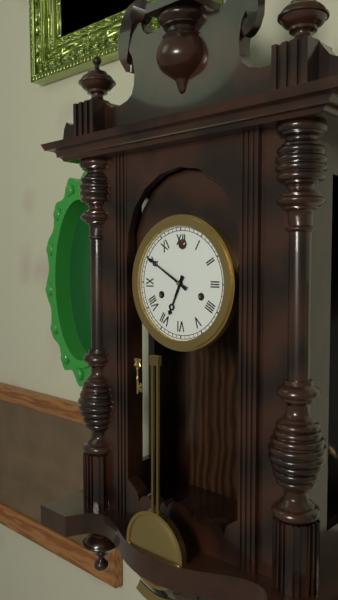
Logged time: {"hour": 6, "minute": 50}
